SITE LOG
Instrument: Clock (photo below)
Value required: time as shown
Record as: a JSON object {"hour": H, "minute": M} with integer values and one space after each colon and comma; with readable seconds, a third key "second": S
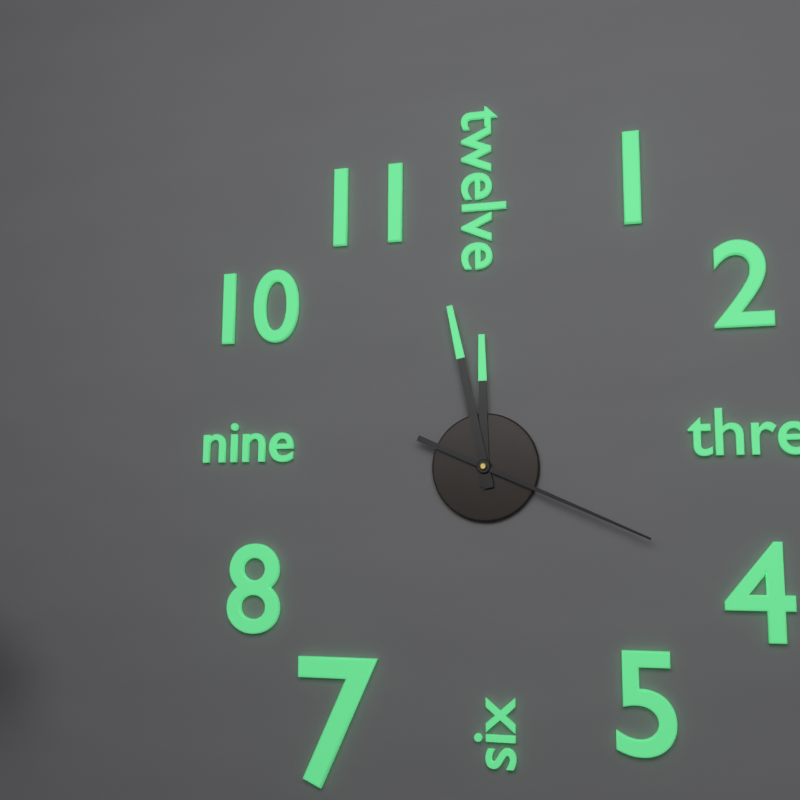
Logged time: {"hour": 11, "minute": 58, "second": 19}
